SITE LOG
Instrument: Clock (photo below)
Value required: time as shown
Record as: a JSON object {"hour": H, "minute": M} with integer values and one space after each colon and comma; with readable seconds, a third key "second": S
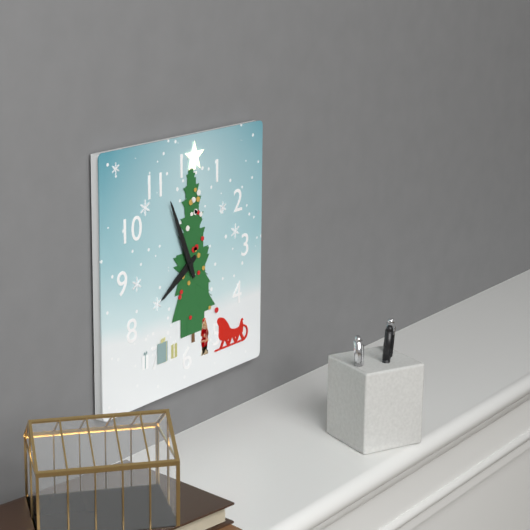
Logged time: {"hour": 7, "minute": 56}
